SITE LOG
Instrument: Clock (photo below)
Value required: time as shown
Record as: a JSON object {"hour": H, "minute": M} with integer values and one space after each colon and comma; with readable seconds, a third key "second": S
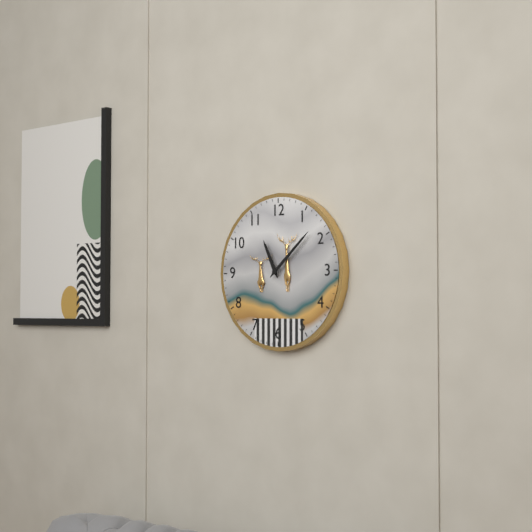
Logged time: {"hour": 11, "minute": 8}
